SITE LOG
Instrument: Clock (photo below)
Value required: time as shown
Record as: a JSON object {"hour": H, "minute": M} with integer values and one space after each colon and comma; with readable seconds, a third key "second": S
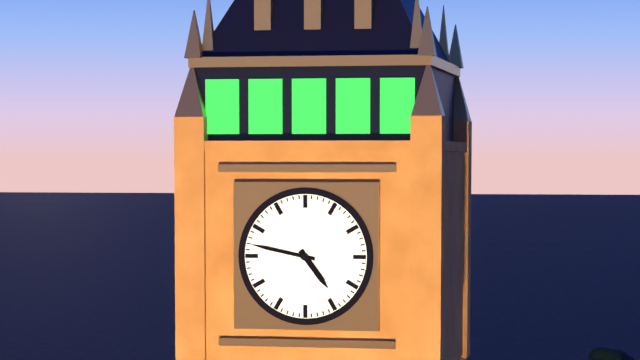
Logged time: {"hour": 4, "minute": 47}
